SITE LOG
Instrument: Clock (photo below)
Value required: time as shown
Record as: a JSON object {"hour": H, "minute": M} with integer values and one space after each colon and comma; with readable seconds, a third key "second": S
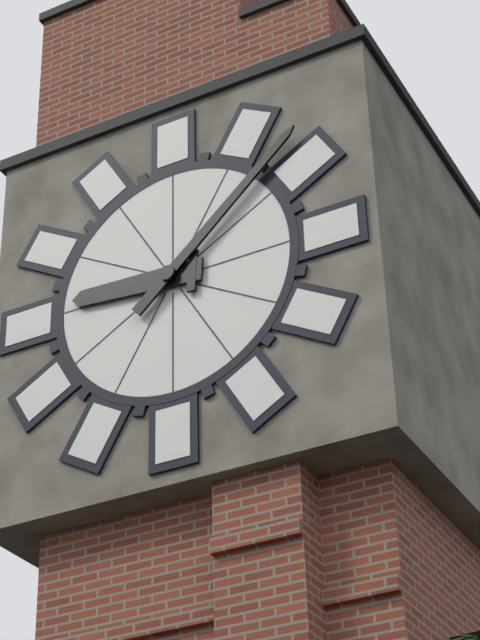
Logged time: {"hour": 9, "minute": 8}
